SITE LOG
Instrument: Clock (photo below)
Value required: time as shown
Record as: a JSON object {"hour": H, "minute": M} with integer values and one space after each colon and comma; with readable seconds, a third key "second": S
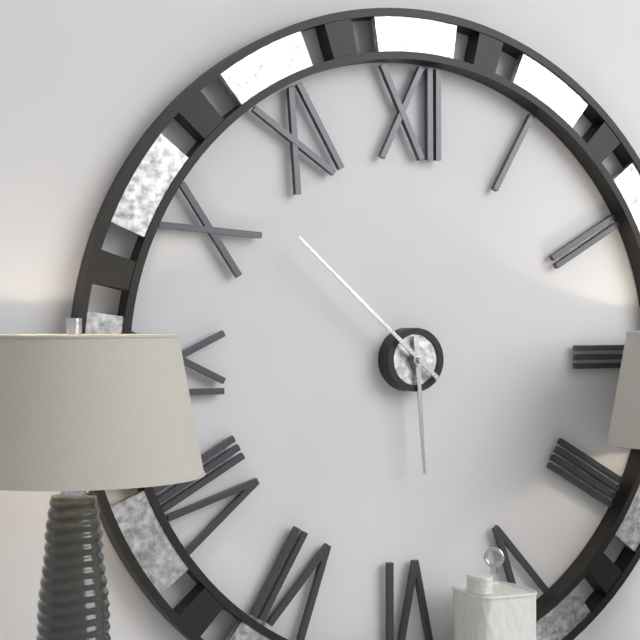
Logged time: {"hour": 5, "minute": 52}
